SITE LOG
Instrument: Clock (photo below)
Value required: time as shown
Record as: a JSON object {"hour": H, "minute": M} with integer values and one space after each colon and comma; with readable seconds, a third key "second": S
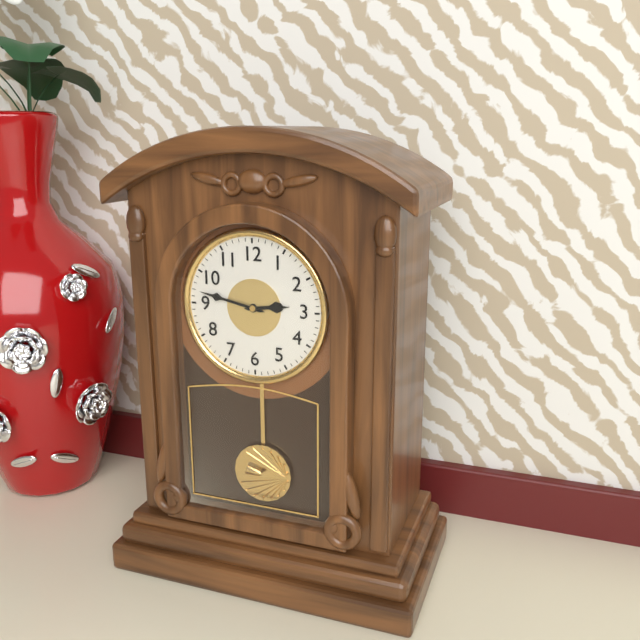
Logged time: {"hour": 2, "minute": 47}
